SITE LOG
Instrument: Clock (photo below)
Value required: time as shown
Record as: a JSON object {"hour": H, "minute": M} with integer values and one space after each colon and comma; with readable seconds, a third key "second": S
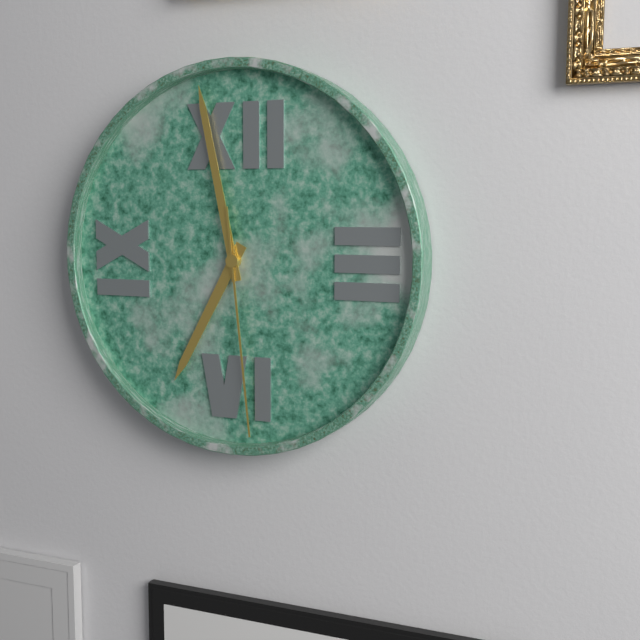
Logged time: {"hour": 6, "minute": 58, "second": 29}
